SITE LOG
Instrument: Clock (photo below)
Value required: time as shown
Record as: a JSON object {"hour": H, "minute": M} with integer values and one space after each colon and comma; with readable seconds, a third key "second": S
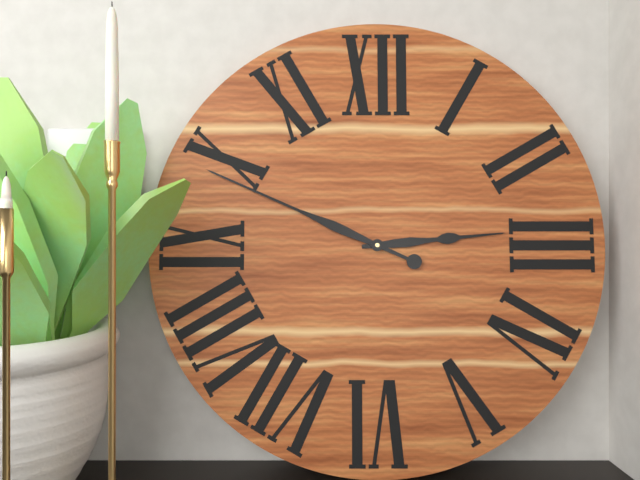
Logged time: {"hour": 2, "minute": 49}
